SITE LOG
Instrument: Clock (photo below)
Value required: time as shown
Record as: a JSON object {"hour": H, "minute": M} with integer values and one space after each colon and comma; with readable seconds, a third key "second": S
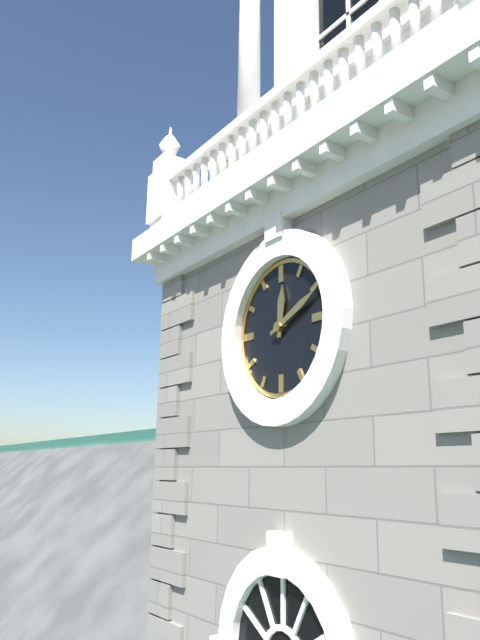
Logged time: {"hour": 12, "minute": 11}
